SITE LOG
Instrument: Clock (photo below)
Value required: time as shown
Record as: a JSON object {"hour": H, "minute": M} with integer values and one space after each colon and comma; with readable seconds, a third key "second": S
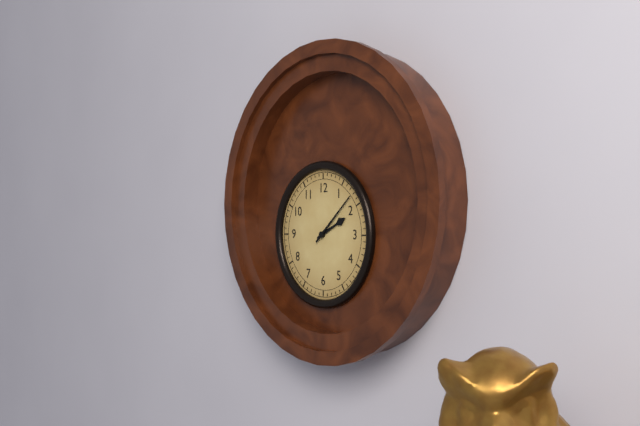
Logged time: {"hour": 2, "minute": 8}
